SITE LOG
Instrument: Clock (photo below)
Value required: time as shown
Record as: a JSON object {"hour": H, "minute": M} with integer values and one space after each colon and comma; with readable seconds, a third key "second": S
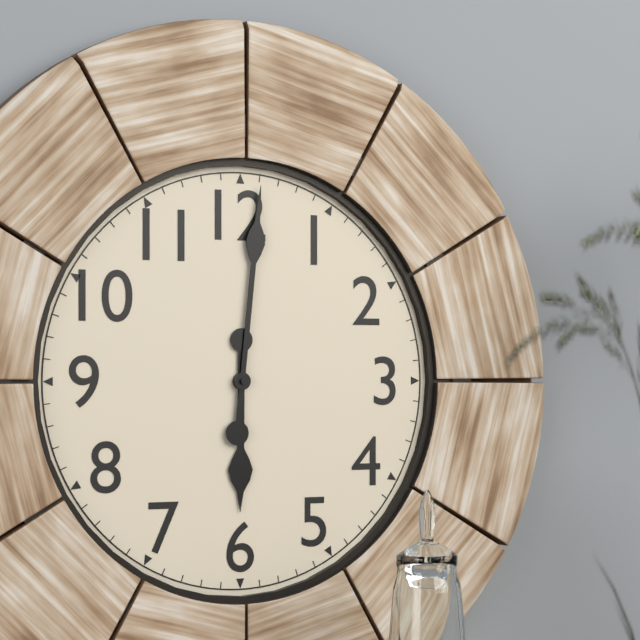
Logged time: {"hour": 6, "minute": 1}
